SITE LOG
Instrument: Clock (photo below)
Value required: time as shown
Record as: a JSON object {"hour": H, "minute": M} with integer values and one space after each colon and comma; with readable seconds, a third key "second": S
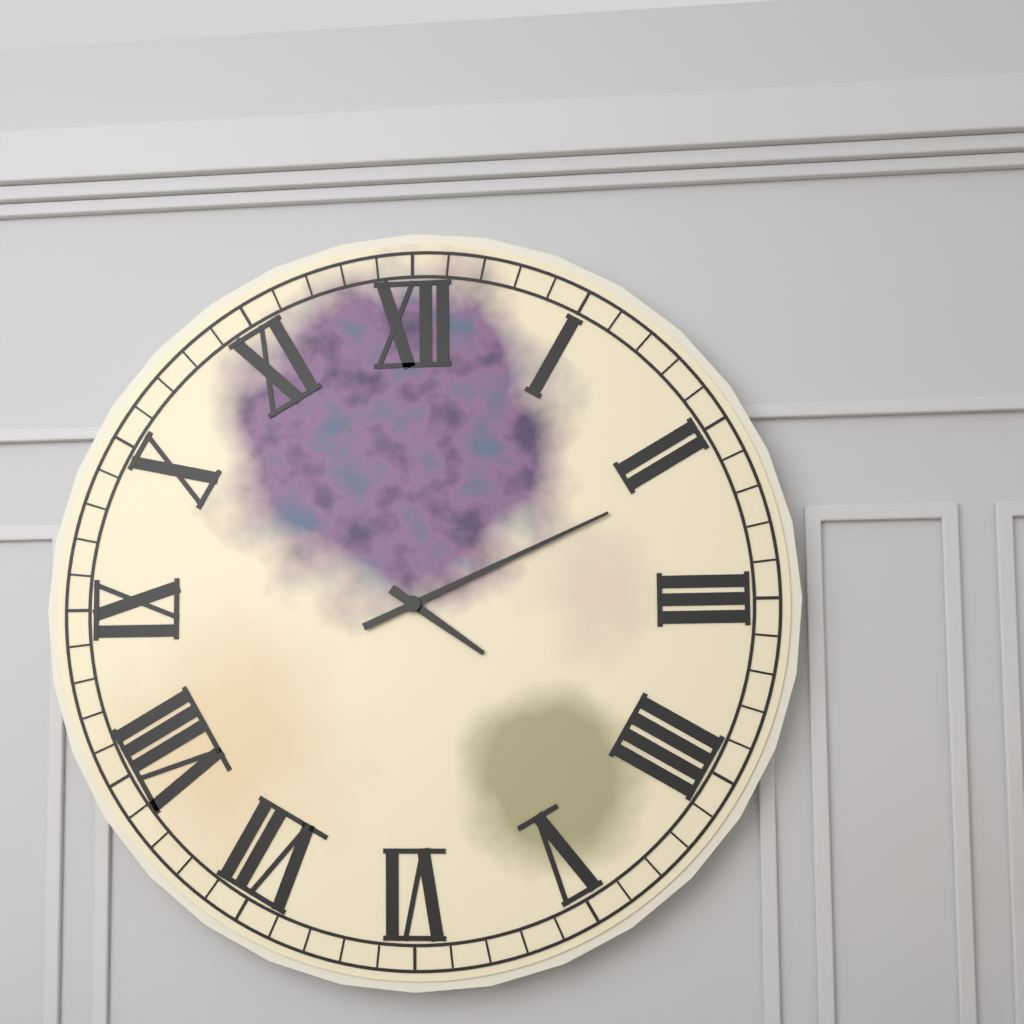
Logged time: {"hour": 4, "minute": 11}
